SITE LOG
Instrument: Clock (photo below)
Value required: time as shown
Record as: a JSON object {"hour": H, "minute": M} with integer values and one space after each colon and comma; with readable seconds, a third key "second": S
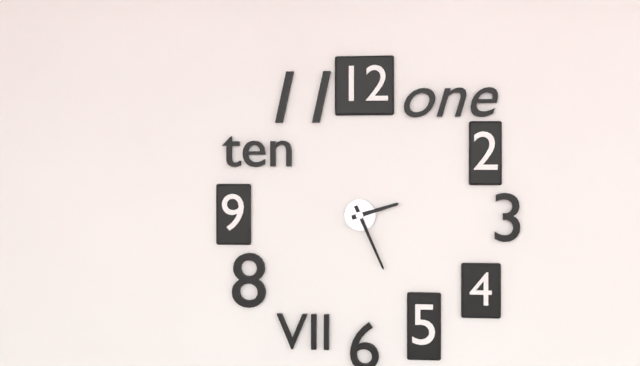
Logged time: {"hour": 2, "minute": 26}
